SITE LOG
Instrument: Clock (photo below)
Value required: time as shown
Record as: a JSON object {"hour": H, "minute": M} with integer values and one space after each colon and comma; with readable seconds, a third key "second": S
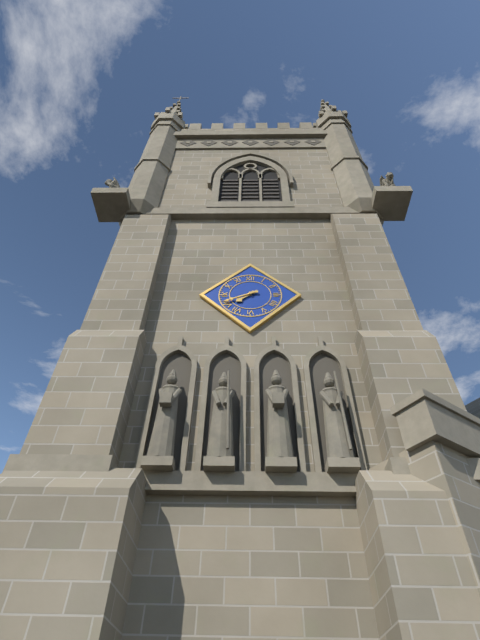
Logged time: {"hour": 7, "minute": 41}
